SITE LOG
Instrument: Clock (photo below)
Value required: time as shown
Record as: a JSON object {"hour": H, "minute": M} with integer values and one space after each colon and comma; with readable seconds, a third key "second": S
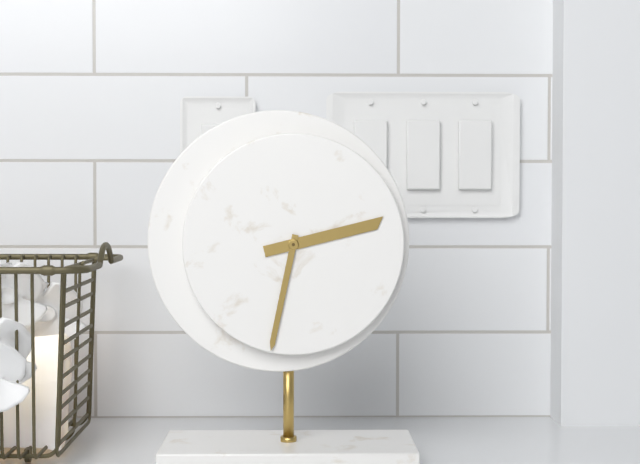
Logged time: {"hour": 2, "minute": 32}
